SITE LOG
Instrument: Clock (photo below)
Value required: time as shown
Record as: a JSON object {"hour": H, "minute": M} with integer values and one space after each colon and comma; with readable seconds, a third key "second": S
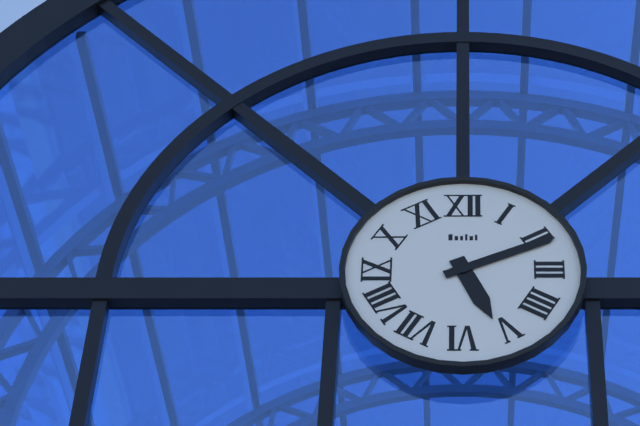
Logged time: {"hour": 5, "minute": 11}
